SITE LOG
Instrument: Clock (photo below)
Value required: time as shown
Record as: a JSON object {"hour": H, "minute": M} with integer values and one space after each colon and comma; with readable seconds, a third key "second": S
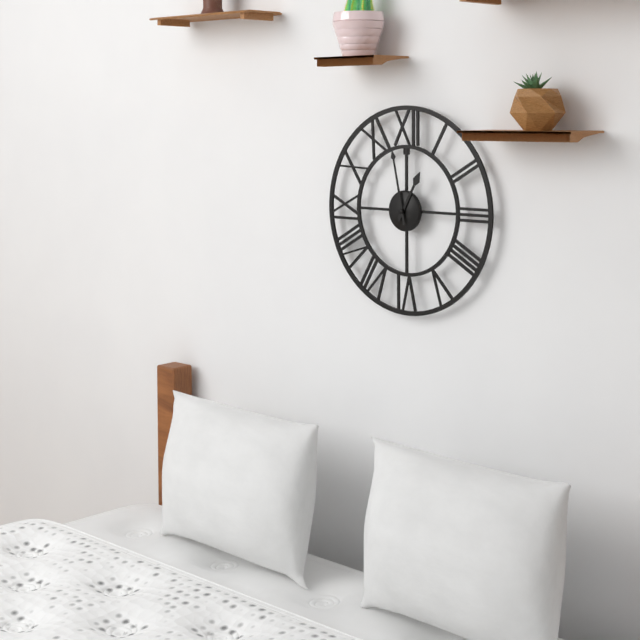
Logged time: {"hour": 12, "minute": 58}
